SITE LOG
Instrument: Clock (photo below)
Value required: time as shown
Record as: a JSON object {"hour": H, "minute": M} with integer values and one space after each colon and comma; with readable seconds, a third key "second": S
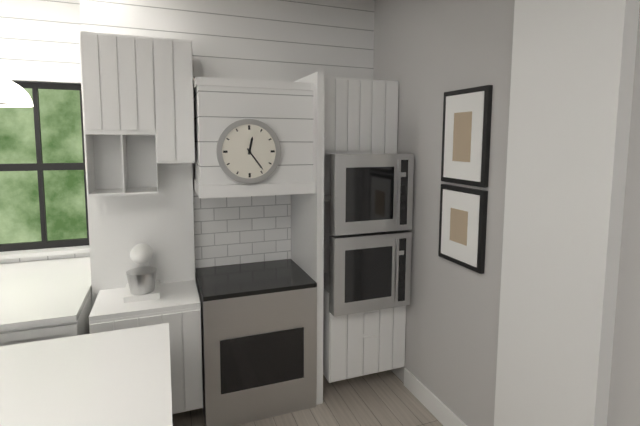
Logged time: {"hour": 12, "minute": 24}
